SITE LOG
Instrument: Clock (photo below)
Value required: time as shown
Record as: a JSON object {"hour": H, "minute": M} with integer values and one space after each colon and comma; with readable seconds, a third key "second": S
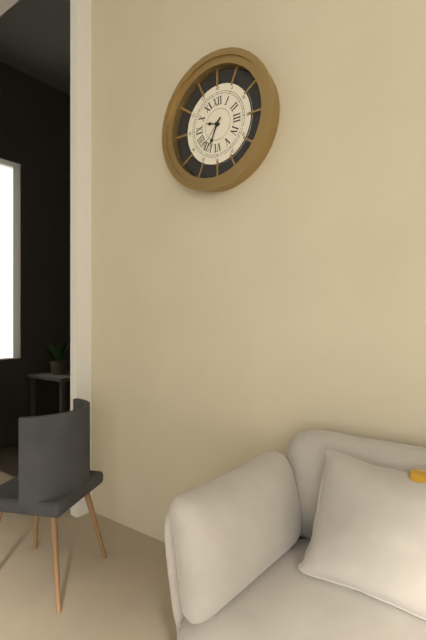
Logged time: {"hour": 9, "minute": 34}
